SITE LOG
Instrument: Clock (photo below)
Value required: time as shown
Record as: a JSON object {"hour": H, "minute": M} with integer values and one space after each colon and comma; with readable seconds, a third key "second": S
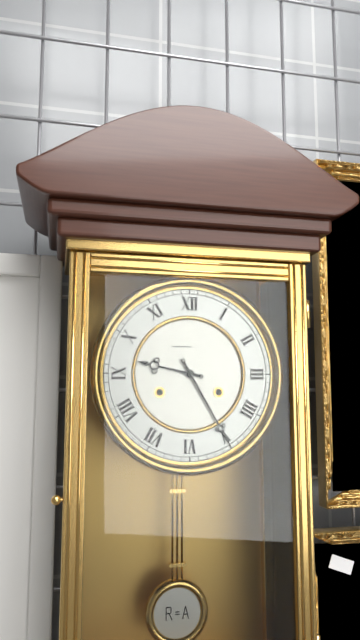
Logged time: {"hour": 9, "minute": 25}
